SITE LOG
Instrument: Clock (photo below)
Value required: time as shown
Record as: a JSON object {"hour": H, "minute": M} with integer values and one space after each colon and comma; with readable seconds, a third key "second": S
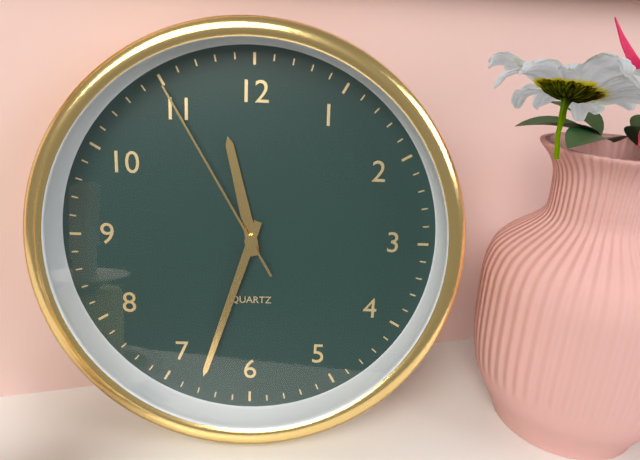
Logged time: {"hour": 11, "minute": 33, "second": 55}
